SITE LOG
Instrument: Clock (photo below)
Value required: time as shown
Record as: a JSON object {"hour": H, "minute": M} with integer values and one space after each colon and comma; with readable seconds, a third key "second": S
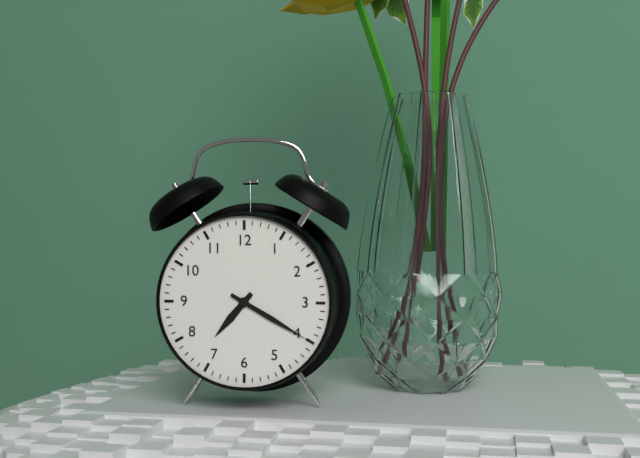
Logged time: {"hour": 7, "minute": 20}
